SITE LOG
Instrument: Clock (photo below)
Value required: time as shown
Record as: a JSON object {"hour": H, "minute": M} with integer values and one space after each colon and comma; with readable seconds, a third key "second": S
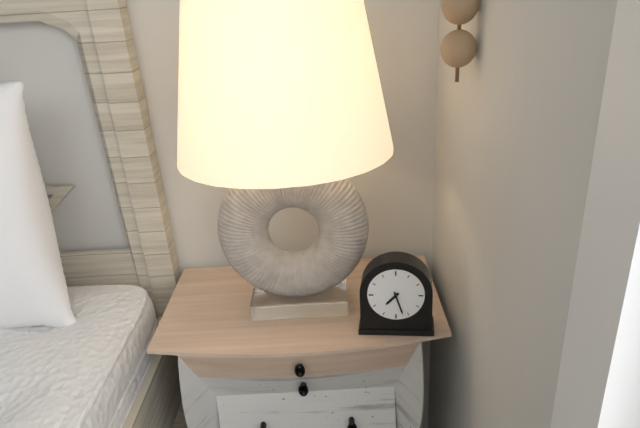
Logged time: {"hour": 7, "minute": 27}
